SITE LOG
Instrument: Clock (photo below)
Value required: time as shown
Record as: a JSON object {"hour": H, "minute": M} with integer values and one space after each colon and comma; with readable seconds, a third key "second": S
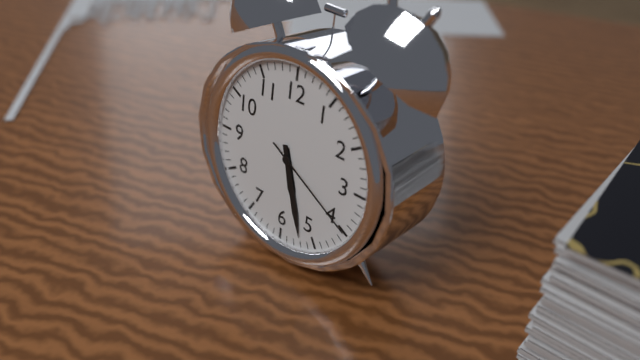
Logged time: {"hour": 5, "minute": 27, "second": 20}
